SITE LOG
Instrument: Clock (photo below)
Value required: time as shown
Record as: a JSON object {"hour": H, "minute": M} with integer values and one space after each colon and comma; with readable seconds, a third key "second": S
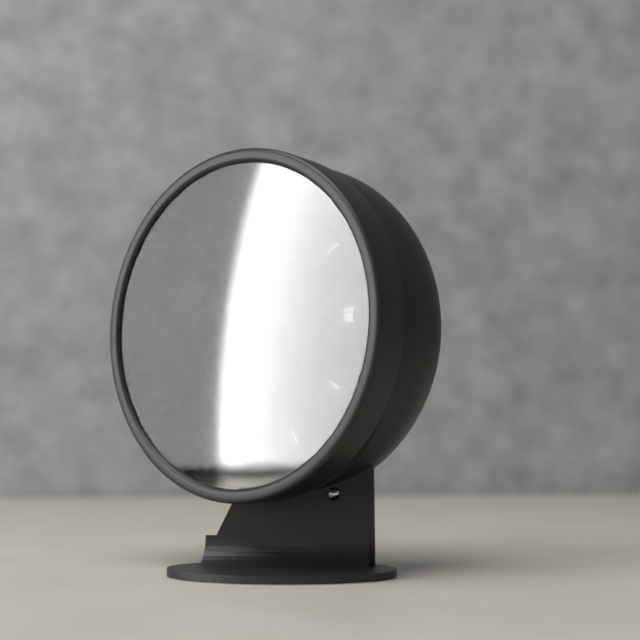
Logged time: {"hour": 10, "minute": 50, "second": 41}
